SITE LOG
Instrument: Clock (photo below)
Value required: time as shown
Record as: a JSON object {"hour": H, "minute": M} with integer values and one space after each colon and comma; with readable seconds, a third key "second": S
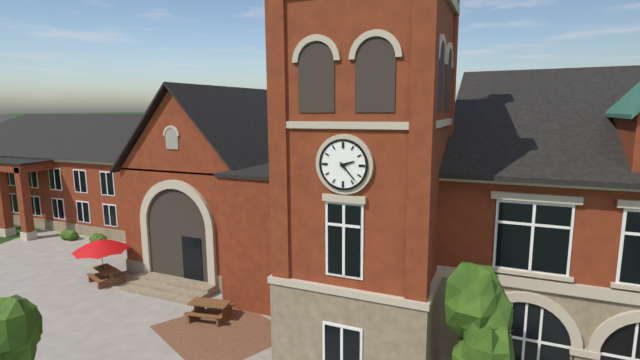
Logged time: {"hour": 2, "minute": 23}
